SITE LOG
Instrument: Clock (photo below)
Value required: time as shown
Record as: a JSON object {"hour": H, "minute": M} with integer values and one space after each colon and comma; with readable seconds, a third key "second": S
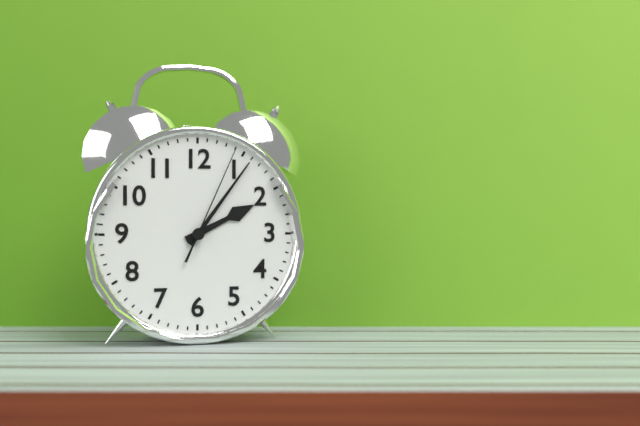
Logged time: {"hour": 2, "minute": 6, "second": 4}
